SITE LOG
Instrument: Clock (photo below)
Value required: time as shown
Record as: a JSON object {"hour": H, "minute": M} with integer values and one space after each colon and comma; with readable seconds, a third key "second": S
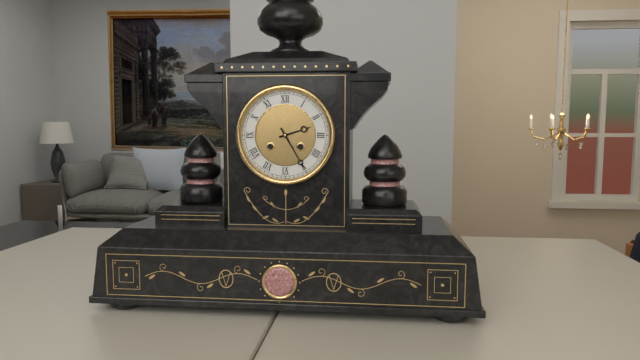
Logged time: {"hour": 2, "minute": 25}
